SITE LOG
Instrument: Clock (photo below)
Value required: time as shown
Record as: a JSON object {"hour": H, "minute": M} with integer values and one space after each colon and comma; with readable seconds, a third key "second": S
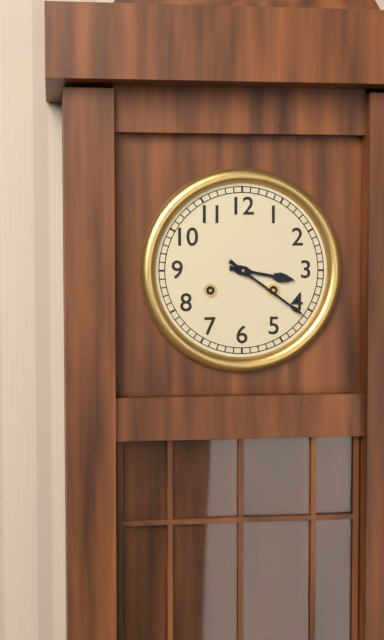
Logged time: {"hour": 3, "minute": 21}
